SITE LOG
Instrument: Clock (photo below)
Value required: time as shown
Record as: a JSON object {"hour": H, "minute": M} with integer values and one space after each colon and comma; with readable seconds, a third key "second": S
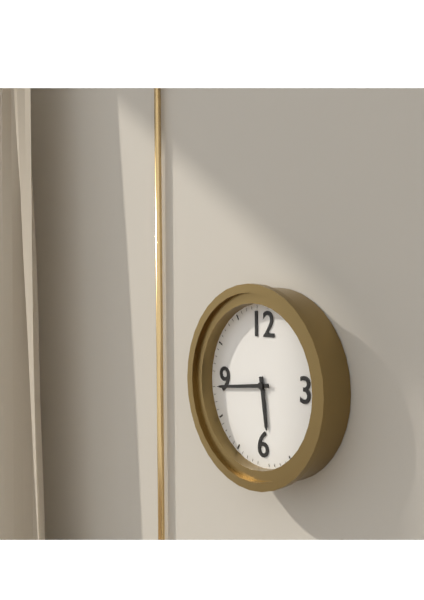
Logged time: {"hour": 5, "minute": 44}
